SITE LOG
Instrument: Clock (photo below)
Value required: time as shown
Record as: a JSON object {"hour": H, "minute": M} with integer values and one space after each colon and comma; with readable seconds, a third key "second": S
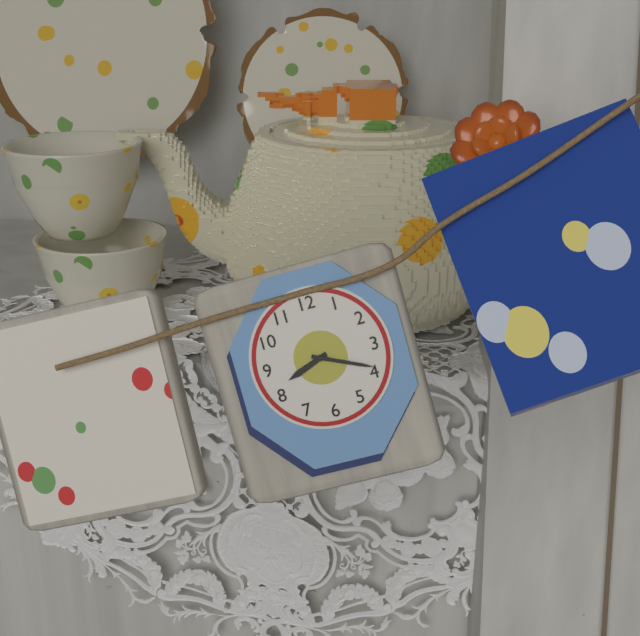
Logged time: {"hour": 8, "minute": 19}
